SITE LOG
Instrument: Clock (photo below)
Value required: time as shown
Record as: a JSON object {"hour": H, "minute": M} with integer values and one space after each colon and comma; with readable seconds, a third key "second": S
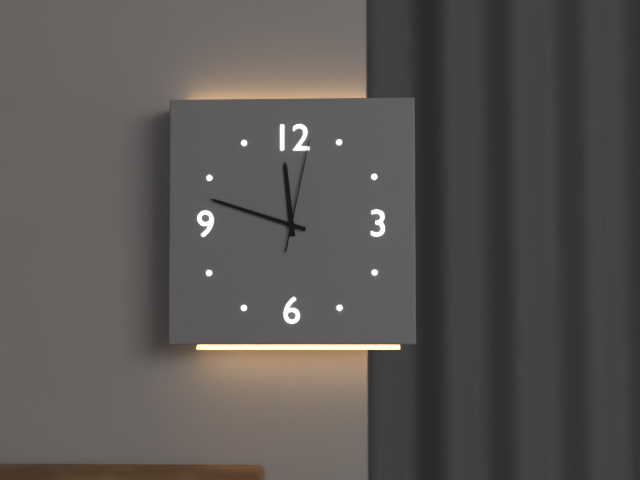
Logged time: {"hour": 11, "minute": 48, "second": 2}
